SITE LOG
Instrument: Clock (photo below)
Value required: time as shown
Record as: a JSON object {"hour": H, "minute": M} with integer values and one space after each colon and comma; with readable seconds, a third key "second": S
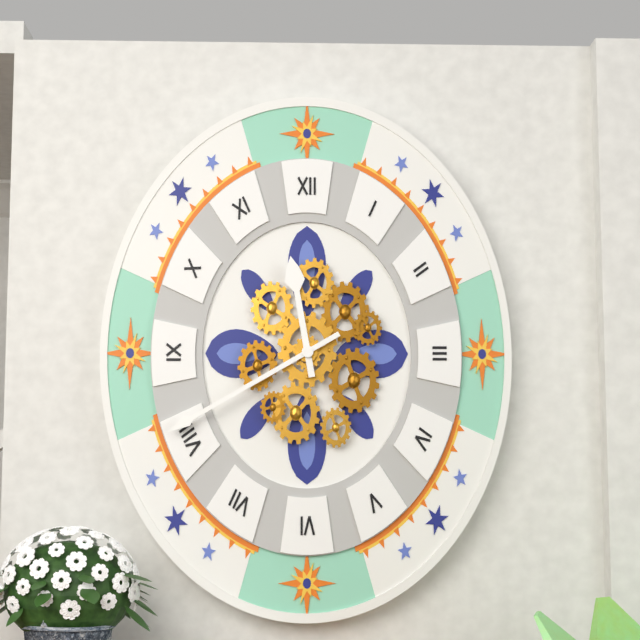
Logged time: {"hour": 11, "minute": 40}
